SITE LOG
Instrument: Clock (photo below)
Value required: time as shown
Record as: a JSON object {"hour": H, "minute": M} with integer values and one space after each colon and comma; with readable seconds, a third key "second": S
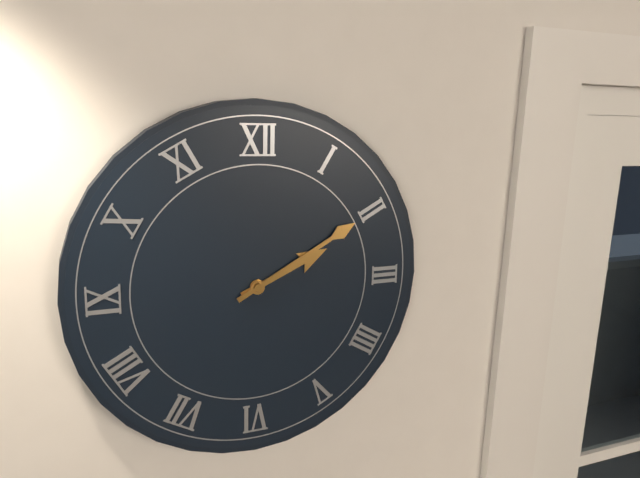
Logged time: {"hour": 2, "minute": 10}
